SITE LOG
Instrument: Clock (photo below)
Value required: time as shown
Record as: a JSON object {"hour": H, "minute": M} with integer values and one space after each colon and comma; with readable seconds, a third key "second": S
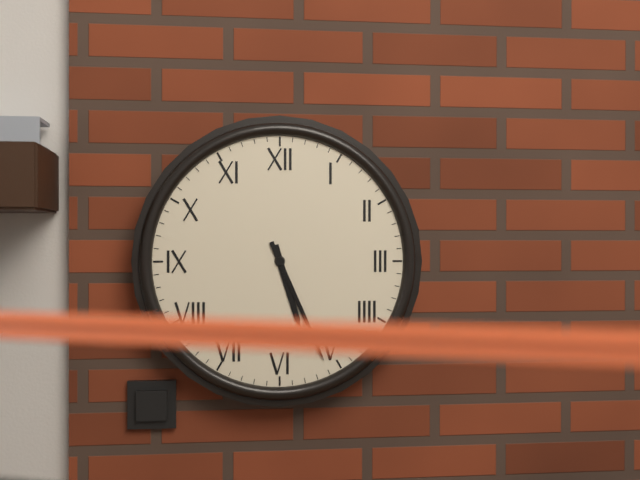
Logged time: {"hour": 5, "minute": 26}
